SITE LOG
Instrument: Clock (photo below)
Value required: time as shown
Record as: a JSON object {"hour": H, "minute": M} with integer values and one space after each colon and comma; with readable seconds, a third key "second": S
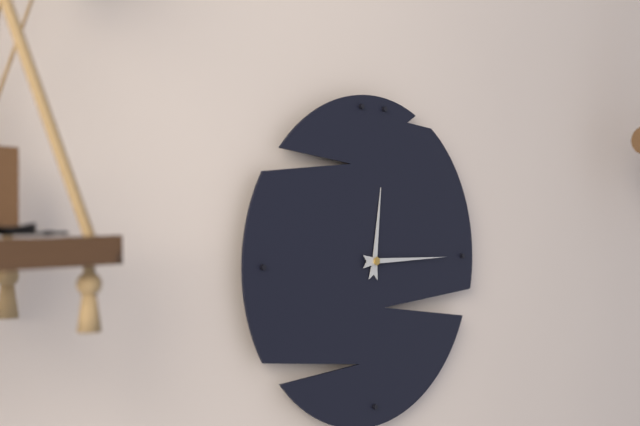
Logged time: {"hour": 12, "minute": 15}
